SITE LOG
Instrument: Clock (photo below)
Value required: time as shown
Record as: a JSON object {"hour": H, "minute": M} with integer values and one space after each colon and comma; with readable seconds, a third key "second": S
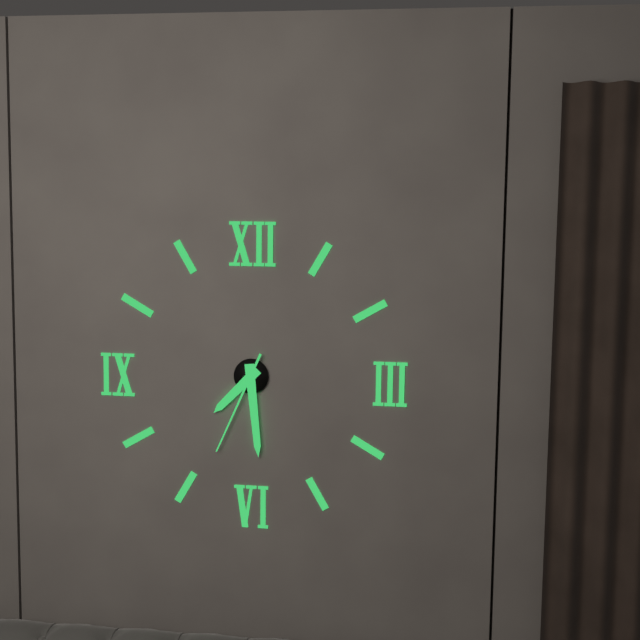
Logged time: {"hour": 7, "minute": 29, "second": 34}
